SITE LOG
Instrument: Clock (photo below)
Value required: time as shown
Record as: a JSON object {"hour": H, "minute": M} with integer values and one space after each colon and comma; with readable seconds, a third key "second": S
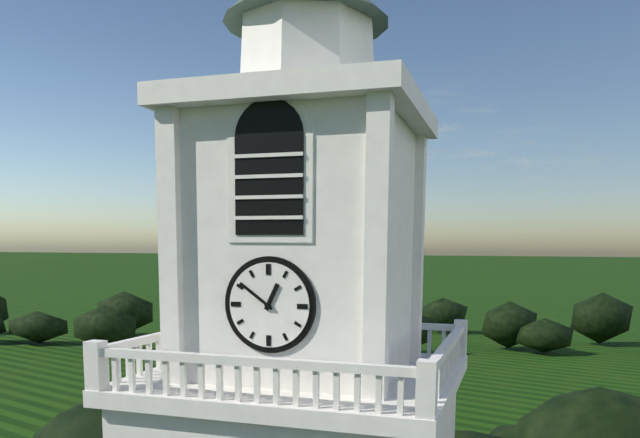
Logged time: {"hour": 12, "minute": 51}
